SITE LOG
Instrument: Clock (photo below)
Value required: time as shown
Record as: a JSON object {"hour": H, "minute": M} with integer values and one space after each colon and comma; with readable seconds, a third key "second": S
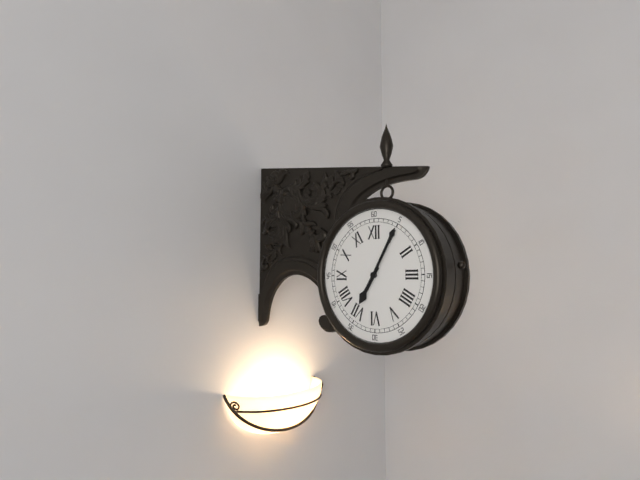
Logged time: {"hour": 7, "minute": 5}
